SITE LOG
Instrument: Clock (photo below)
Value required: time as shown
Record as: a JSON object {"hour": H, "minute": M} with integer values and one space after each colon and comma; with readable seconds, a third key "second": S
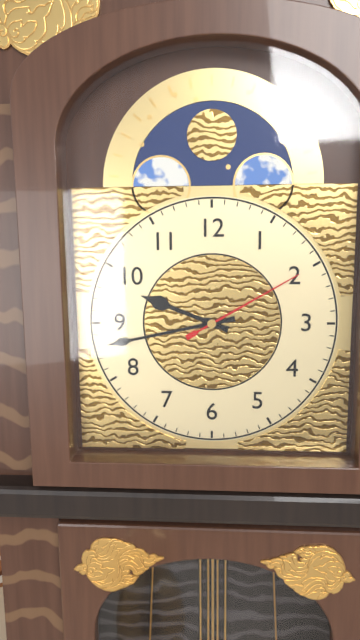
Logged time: {"hour": 9, "minute": 43, "second": 10}
